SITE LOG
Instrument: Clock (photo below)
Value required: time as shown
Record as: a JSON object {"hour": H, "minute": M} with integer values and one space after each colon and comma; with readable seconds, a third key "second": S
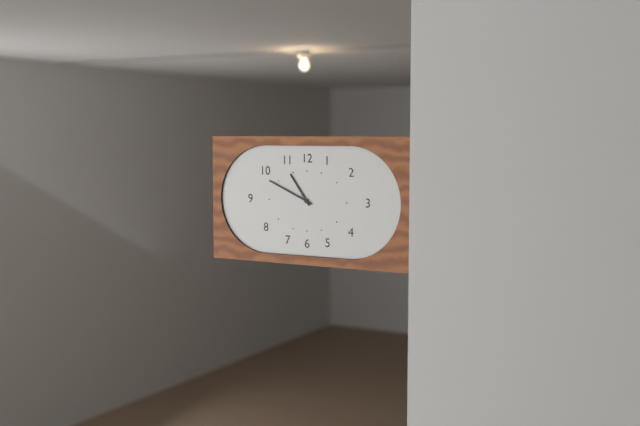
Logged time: {"hour": 10, "minute": 49}
